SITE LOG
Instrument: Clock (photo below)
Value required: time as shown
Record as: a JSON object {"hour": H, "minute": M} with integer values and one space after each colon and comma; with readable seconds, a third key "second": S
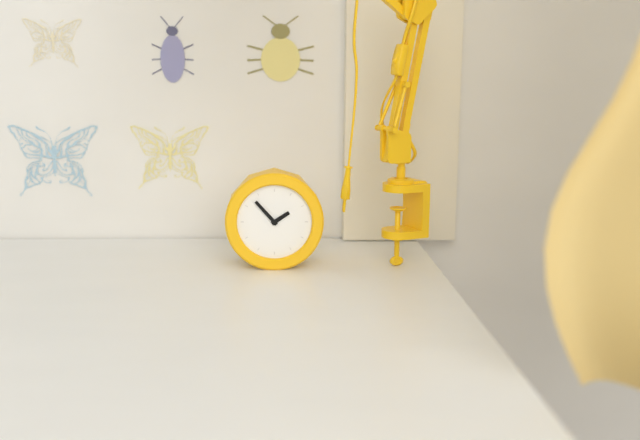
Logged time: {"hour": 1, "minute": 53}
